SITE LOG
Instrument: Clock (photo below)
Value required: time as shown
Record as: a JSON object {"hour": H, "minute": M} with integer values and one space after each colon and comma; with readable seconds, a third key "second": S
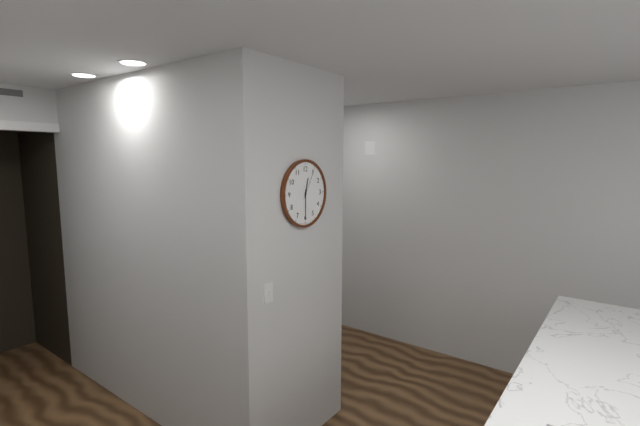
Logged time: {"hour": 12, "minute": 30}
